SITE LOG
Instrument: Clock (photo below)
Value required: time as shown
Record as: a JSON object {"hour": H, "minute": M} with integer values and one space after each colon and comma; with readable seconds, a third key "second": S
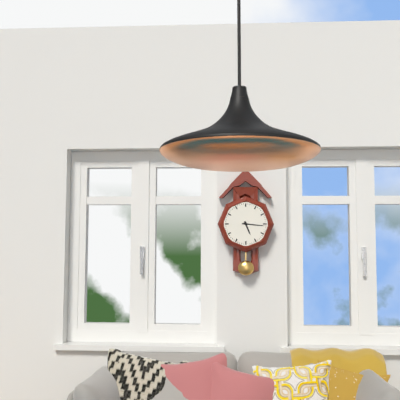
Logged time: {"hour": 5, "minute": 16}
